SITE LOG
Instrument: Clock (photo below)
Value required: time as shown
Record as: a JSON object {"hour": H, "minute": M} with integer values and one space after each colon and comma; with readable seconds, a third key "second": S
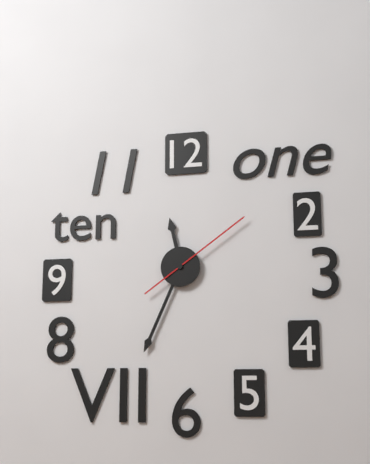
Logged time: {"hour": 11, "minute": 34, "second": 9}
